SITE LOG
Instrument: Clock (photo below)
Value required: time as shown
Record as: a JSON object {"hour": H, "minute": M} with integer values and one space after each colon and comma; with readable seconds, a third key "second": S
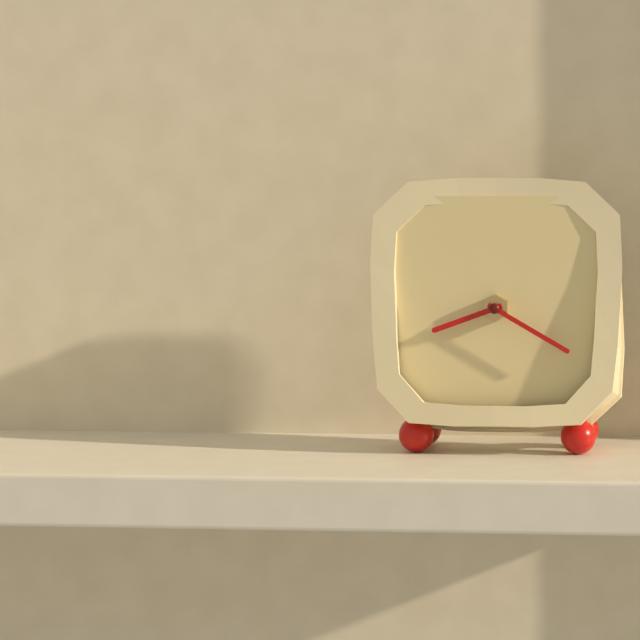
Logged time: {"hour": 8, "minute": 20}
